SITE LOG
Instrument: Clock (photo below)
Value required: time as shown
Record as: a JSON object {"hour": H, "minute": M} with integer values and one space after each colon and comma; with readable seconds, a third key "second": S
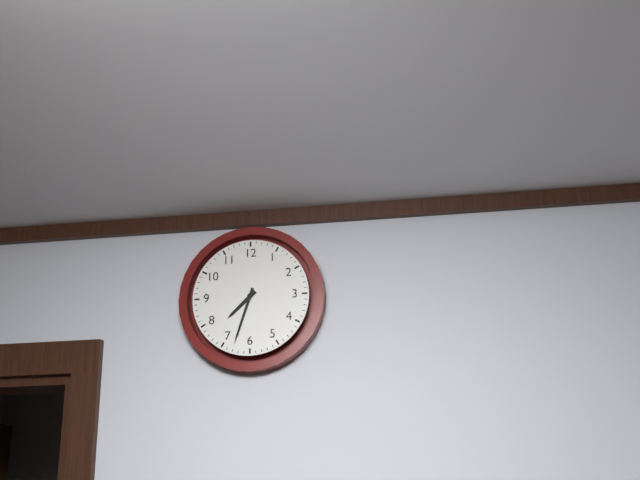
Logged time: {"hour": 7, "minute": 33}
